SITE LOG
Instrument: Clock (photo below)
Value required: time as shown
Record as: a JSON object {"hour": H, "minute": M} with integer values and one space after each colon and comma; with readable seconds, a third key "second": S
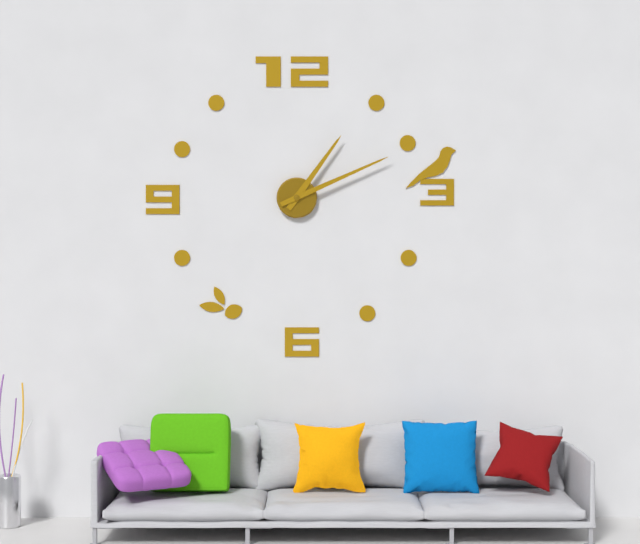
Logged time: {"hour": 1, "minute": 11}
